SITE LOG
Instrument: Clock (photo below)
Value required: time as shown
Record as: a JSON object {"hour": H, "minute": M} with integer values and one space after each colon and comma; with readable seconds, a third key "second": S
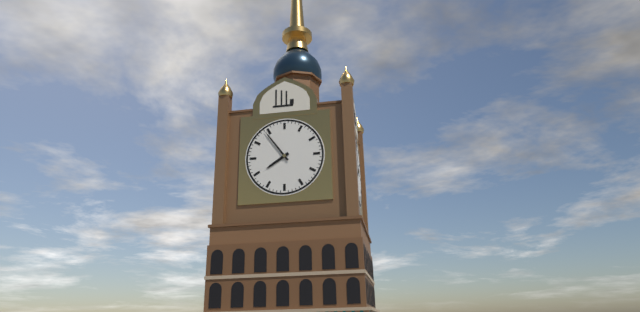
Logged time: {"hour": 7, "minute": 54}
